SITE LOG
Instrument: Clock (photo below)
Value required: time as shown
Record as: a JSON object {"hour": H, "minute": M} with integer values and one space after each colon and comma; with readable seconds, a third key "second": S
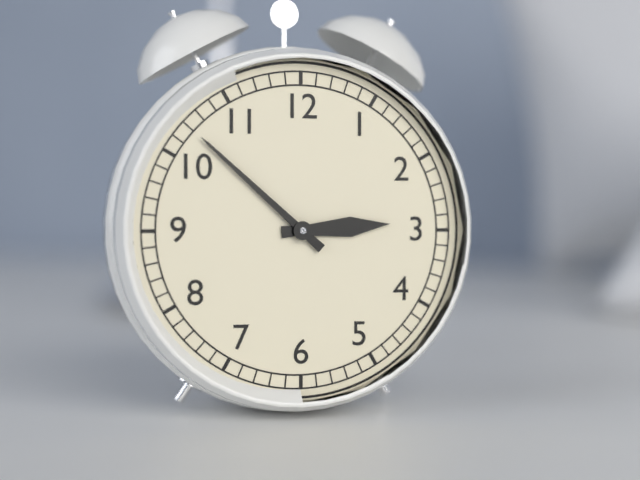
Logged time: {"hour": 2, "minute": 52}
